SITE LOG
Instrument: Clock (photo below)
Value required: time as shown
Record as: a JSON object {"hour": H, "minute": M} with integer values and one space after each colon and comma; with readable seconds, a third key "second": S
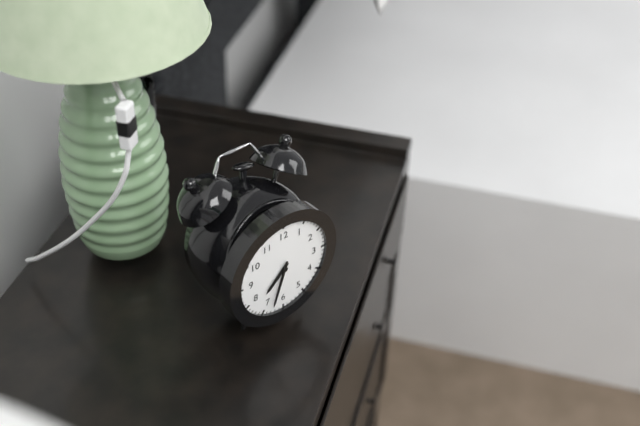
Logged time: {"hour": 7, "minute": 33}
